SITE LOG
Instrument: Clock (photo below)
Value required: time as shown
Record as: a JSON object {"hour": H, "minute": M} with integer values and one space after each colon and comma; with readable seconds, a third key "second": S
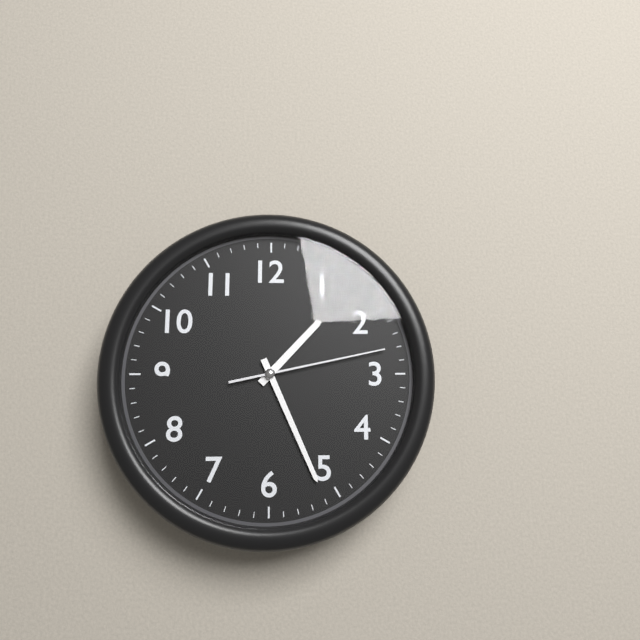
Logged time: {"hour": 1, "minute": 26, "second": 13}
